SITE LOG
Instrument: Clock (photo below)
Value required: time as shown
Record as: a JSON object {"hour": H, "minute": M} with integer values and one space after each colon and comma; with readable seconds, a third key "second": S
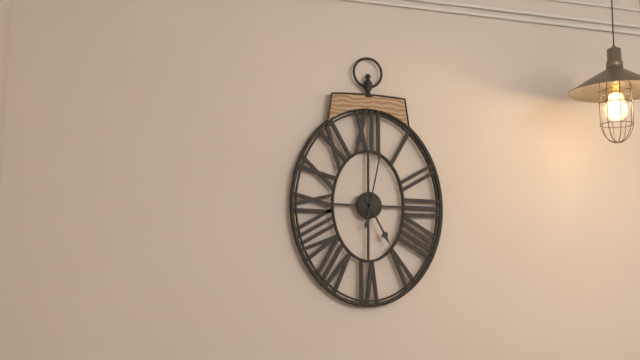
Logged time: {"hour": 5, "minute": 2}
